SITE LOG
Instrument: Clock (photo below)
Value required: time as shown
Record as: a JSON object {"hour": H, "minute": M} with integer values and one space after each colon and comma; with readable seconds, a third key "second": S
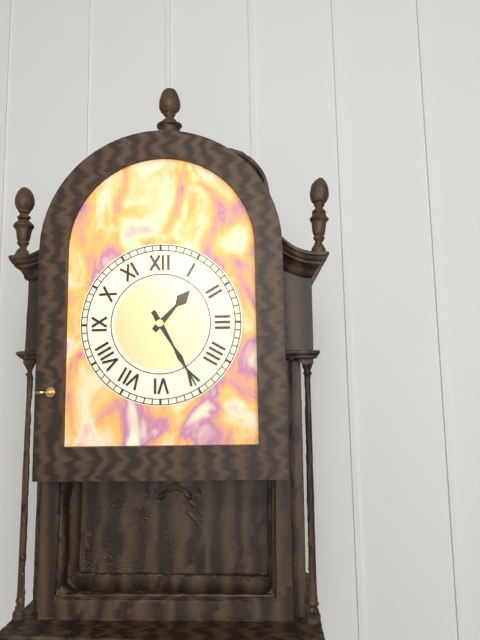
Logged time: {"hour": 1, "minute": 25}
